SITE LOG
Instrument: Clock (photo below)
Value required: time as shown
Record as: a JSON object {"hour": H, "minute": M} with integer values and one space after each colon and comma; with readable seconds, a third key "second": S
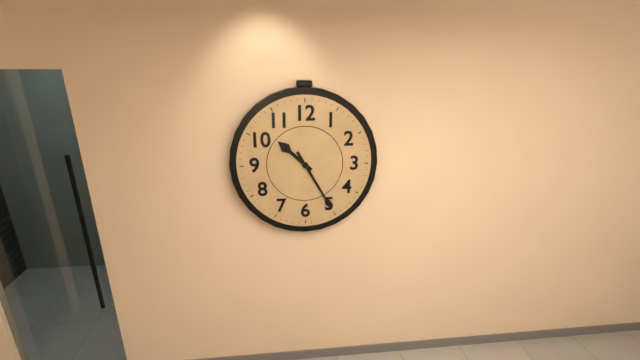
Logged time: {"hour": 10, "minute": 25}
